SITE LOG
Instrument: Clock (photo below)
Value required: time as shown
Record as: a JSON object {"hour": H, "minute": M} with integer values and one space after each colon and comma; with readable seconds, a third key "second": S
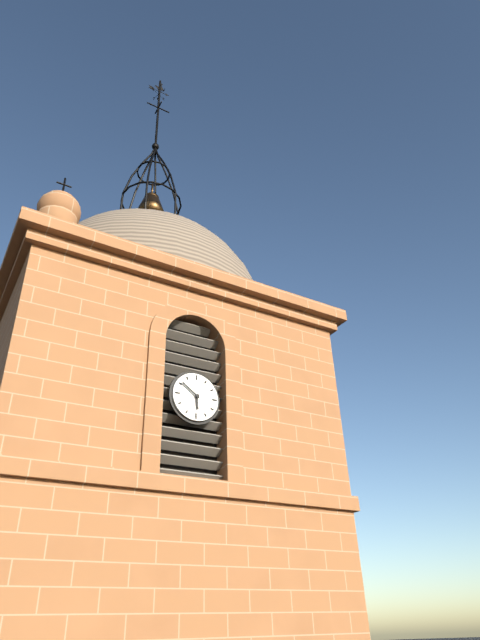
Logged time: {"hour": 5, "minute": 51}
